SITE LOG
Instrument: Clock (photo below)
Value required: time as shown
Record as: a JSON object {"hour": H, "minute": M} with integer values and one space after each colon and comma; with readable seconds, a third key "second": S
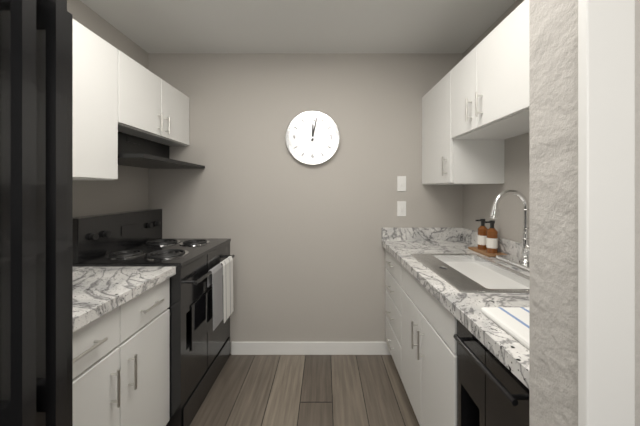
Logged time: {"hour": 12, "minute": 2}
